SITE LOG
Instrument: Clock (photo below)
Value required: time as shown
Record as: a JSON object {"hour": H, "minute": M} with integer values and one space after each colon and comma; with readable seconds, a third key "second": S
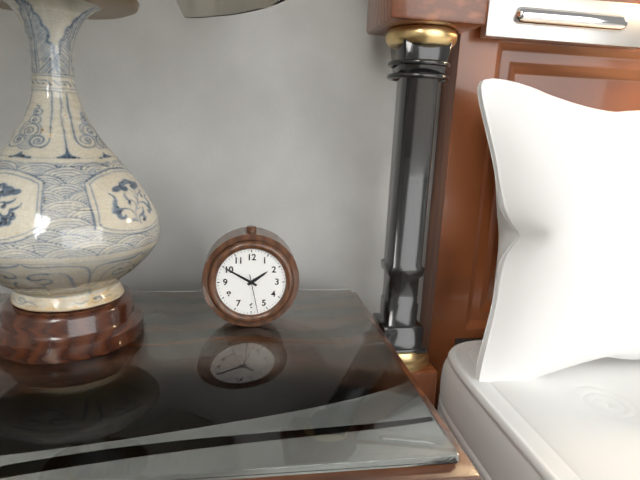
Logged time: {"hour": 1, "minute": 50}
